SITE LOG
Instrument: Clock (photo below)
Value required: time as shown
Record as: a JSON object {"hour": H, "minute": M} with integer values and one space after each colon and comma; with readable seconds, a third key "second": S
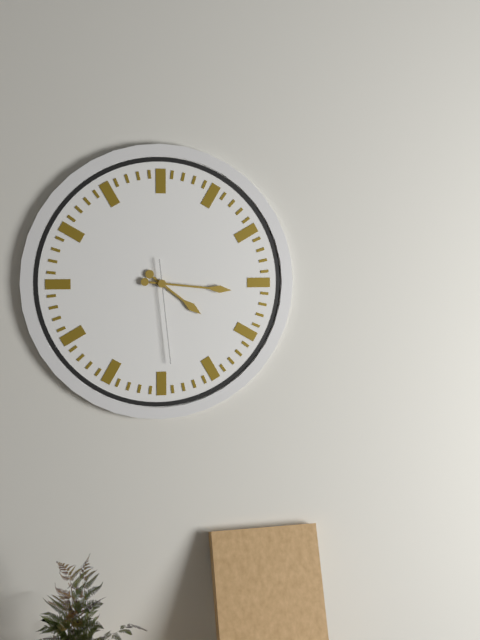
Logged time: {"hour": 4, "minute": 16, "second": 29}
